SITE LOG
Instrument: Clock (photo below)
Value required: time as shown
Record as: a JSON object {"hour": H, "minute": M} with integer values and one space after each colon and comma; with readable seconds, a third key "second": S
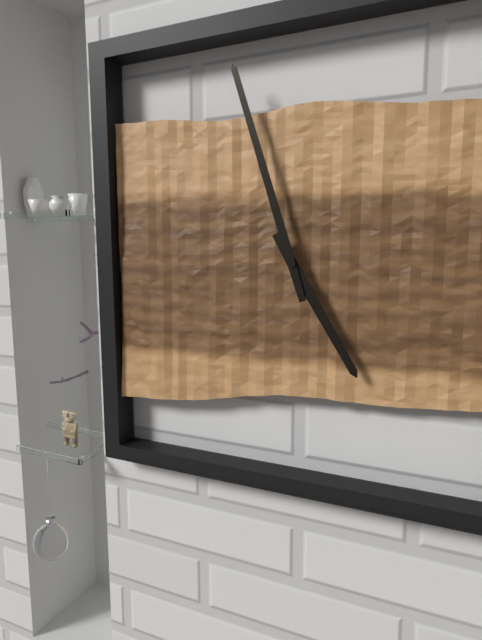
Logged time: {"hour": 4, "minute": 57}
